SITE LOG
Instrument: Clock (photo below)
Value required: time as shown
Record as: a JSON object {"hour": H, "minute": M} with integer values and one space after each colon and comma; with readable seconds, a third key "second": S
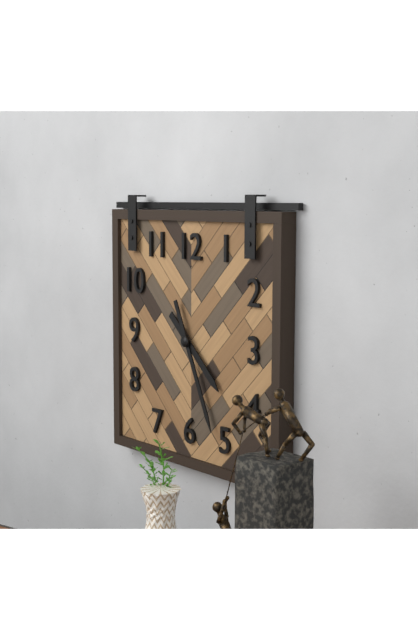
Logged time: {"hour": 4, "minute": 26}
